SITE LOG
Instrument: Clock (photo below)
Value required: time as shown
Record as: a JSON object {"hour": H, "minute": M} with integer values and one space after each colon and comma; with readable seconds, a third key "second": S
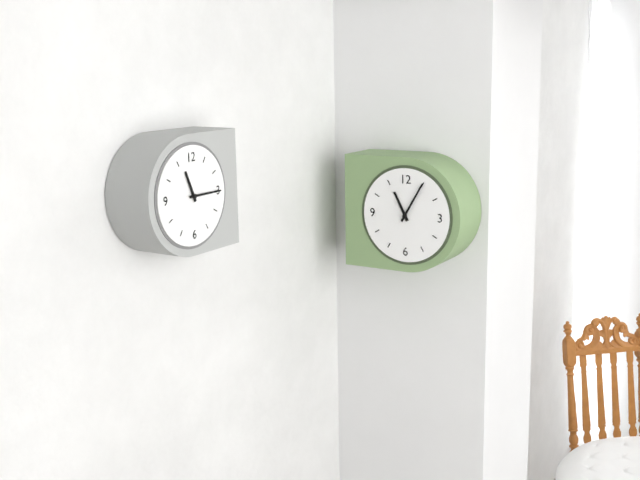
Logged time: {"hour": 11, "minute": 5}
